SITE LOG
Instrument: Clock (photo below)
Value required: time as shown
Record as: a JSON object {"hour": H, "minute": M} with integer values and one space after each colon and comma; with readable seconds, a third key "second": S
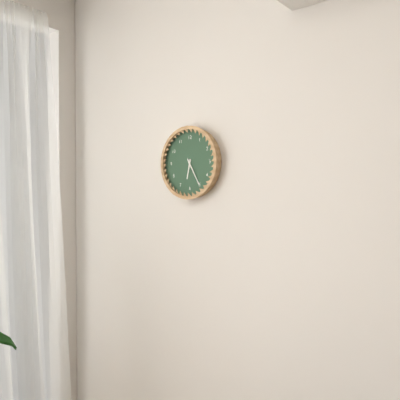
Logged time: {"hour": 6, "minute": 25}
